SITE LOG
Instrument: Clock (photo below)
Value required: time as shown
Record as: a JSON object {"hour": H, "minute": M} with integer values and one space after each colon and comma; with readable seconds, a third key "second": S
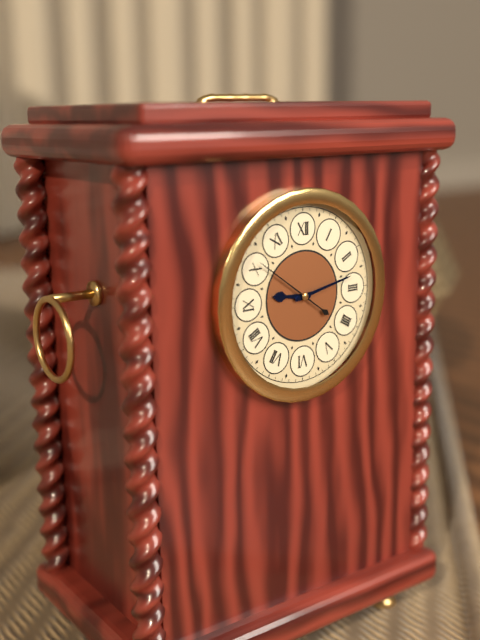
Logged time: {"hour": 9, "minute": 13, "second": 51}
